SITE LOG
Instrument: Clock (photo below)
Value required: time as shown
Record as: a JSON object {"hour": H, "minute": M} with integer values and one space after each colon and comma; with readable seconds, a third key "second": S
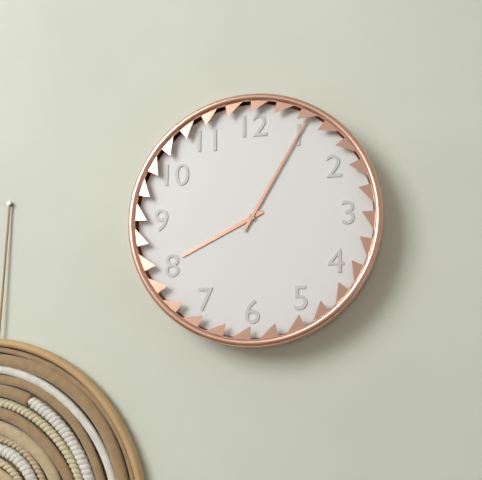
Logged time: {"hour": 8, "minute": 5}
